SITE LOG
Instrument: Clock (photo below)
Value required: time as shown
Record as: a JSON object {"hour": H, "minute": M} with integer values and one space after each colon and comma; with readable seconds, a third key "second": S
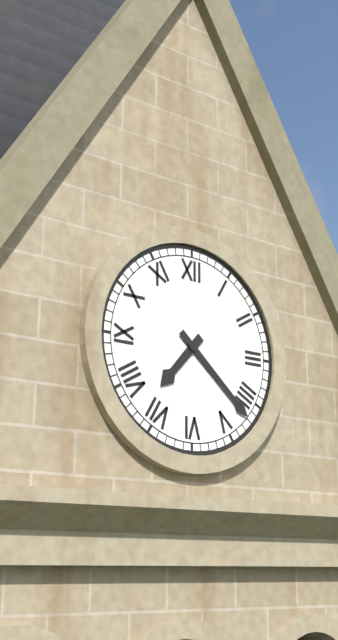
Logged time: {"hour": 7, "minute": 22}
